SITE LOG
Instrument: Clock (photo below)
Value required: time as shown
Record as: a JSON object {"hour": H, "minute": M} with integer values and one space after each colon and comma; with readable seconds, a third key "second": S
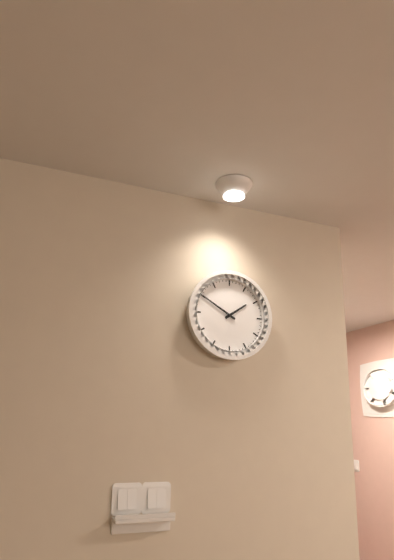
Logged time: {"hour": 1, "minute": 50}
